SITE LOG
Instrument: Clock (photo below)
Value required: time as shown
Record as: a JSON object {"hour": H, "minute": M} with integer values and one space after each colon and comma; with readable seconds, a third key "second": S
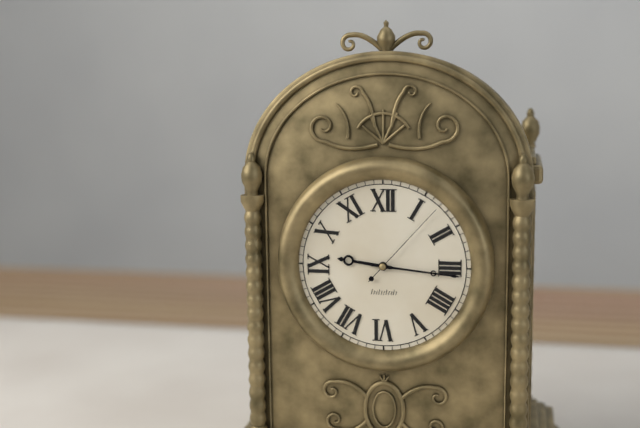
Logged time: {"hour": 9, "minute": 16, "second": 7}
